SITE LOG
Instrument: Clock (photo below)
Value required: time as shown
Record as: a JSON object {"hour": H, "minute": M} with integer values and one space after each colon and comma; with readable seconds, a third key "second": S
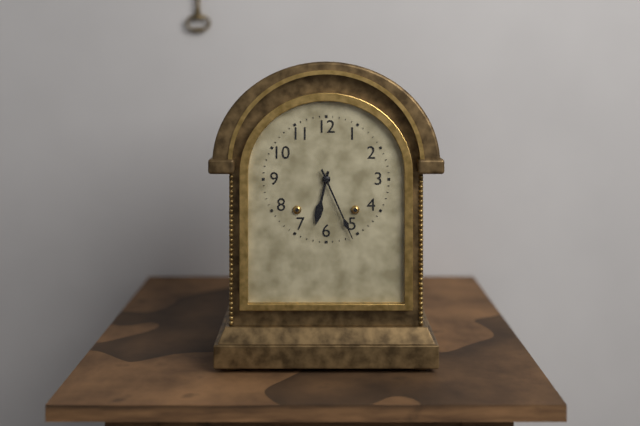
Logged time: {"hour": 6, "minute": 26}
